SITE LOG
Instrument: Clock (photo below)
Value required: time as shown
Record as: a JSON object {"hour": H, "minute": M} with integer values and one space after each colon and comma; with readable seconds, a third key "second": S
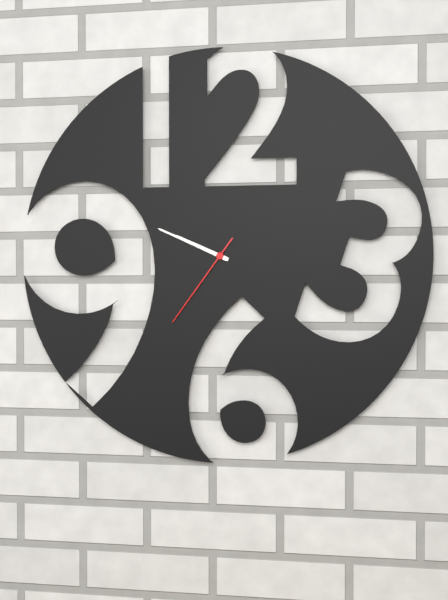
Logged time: {"hour": 9, "minute": 49, "second": 36}
